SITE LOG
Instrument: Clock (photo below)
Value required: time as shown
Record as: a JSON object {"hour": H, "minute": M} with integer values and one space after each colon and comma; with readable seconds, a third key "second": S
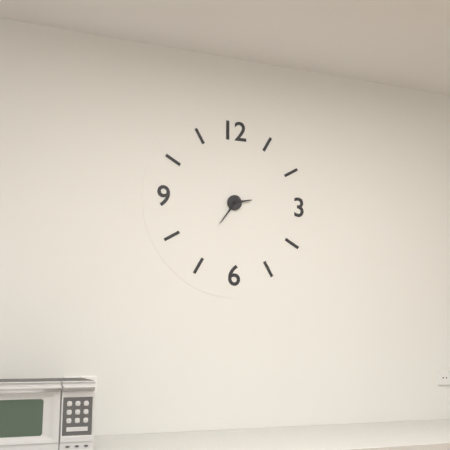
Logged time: {"hour": 2, "minute": 36}
